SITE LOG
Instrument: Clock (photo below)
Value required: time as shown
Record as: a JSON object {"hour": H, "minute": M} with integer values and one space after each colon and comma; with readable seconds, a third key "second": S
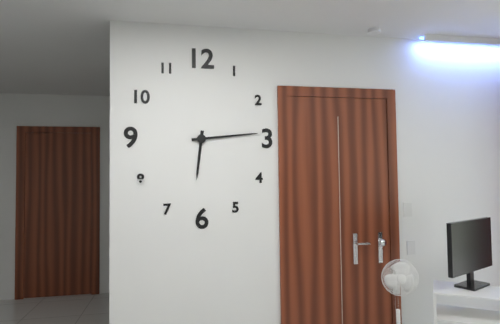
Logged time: {"hour": 6, "minute": 14}
